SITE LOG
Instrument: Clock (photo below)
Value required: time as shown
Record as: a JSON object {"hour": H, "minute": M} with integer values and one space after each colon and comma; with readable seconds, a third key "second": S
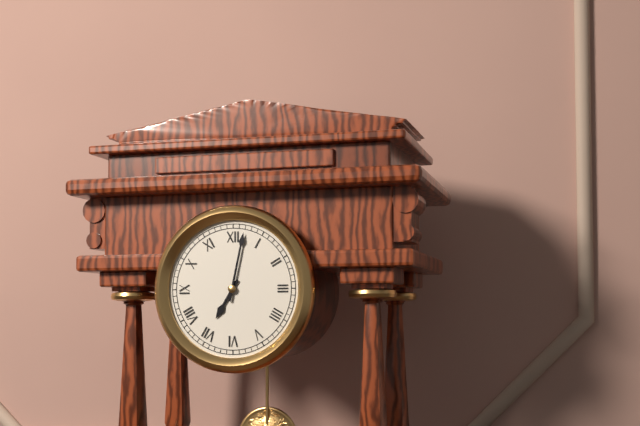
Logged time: {"hour": 7, "minute": 2}
